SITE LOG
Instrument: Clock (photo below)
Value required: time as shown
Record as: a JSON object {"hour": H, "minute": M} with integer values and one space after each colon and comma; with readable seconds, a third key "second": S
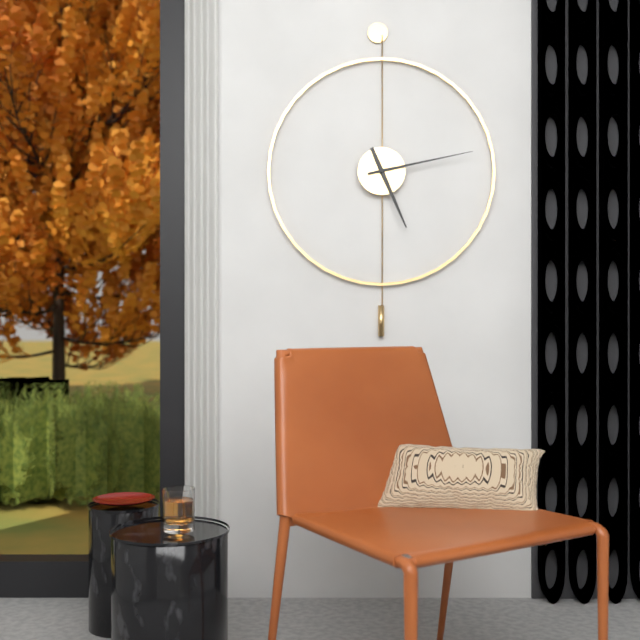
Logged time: {"hour": 5, "minute": 13}
